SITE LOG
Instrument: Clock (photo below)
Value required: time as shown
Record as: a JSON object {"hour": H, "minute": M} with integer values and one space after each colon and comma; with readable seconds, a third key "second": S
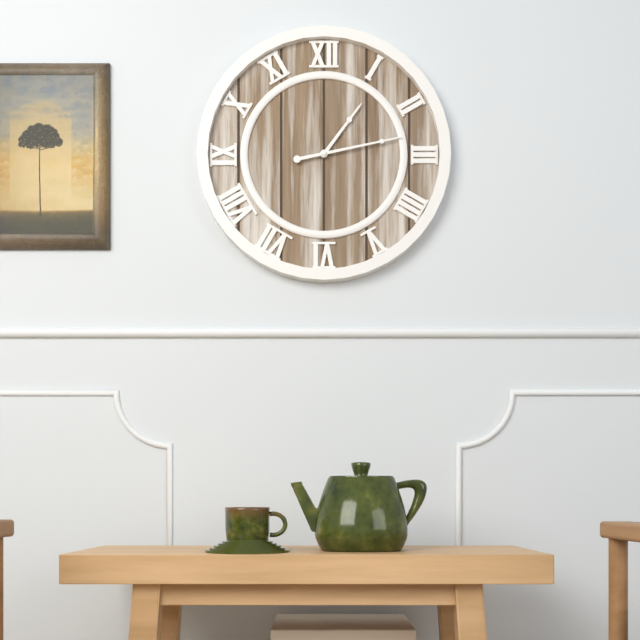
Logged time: {"hour": 1, "minute": 13}
